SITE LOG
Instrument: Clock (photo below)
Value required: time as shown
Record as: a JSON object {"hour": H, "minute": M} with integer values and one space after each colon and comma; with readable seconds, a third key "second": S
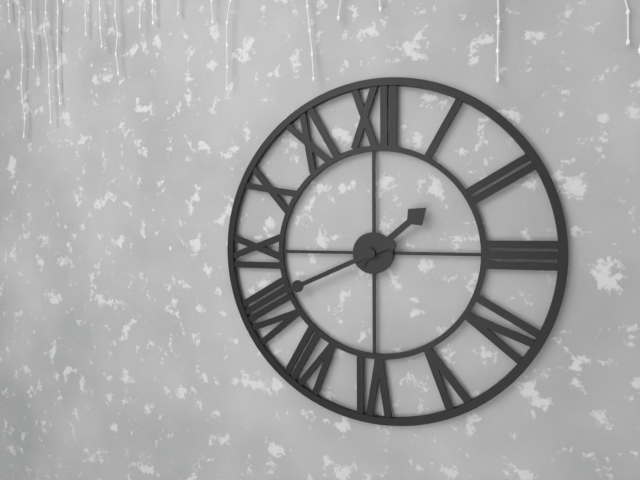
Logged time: {"hour": 1, "minute": 41}
